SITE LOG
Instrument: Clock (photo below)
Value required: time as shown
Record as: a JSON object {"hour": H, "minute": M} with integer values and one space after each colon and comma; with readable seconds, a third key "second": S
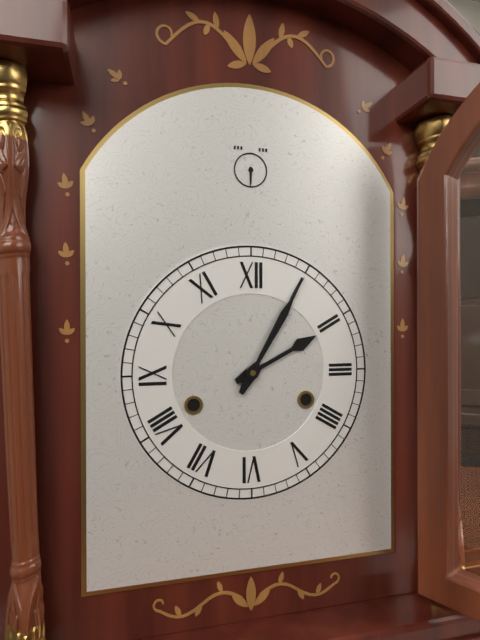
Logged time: {"hour": 2, "minute": 5}
